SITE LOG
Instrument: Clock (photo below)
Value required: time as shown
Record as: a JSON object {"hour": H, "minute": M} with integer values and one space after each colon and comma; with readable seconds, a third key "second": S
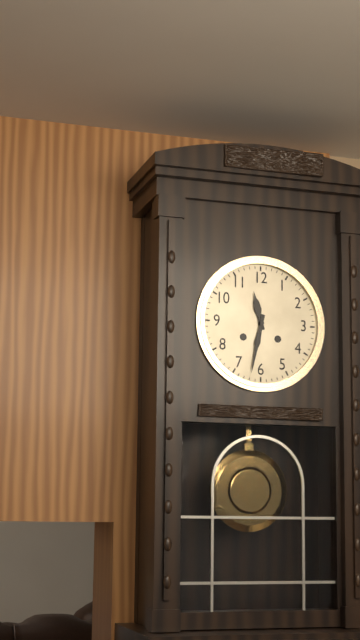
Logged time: {"hour": 11, "minute": 32}
